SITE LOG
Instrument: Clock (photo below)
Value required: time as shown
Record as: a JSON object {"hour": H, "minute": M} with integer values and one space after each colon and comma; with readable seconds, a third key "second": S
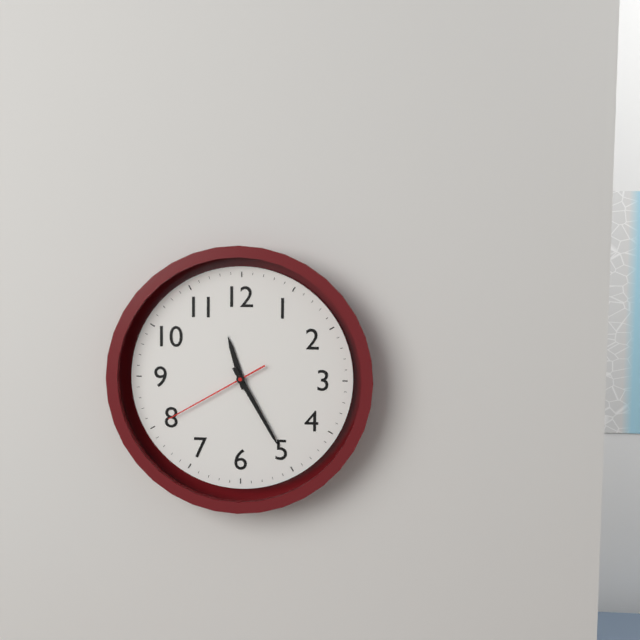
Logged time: {"hour": 11, "minute": 25, "second": 40}
